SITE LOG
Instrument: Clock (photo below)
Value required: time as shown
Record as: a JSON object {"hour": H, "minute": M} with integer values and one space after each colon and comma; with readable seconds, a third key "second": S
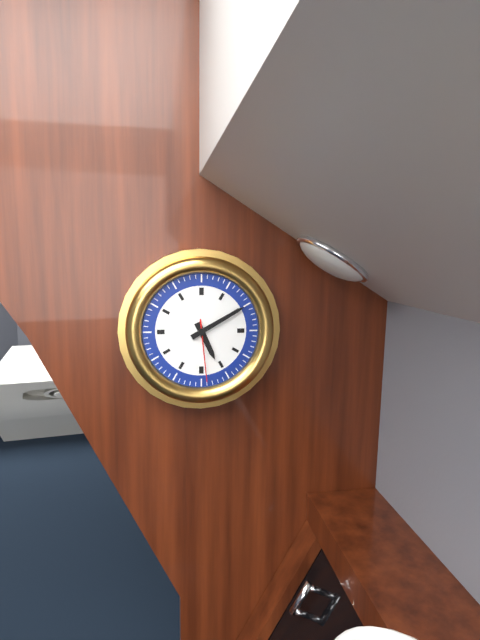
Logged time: {"hour": 5, "minute": 10, "second": 29}
